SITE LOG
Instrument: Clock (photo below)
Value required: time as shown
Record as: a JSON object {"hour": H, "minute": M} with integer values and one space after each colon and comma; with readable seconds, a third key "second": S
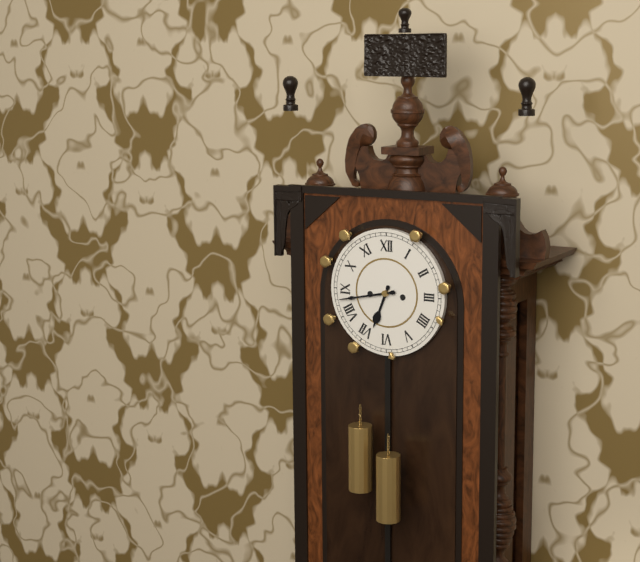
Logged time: {"hour": 6, "minute": 43}
